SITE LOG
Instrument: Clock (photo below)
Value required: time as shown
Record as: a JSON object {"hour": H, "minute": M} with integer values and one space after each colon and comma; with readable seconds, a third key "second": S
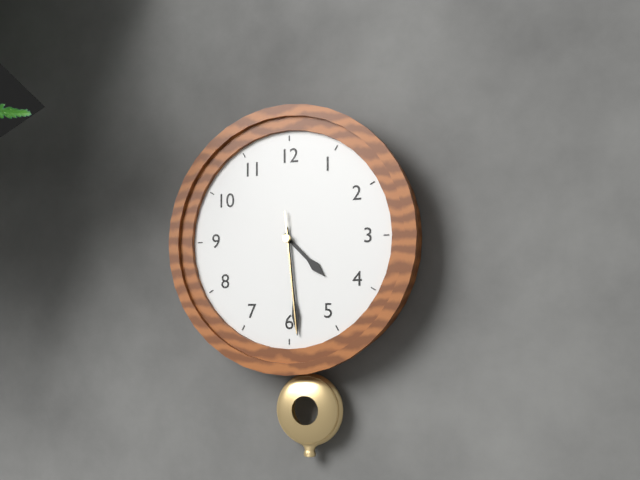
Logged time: {"hour": 4, "minute": 29, "second": 29}
